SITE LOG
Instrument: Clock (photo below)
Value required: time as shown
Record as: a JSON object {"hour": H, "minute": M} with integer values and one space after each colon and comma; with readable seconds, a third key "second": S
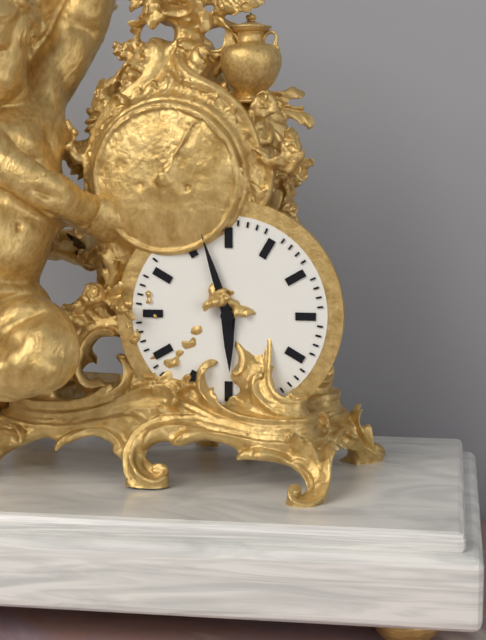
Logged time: {"hour": 5, "minute": 57}
